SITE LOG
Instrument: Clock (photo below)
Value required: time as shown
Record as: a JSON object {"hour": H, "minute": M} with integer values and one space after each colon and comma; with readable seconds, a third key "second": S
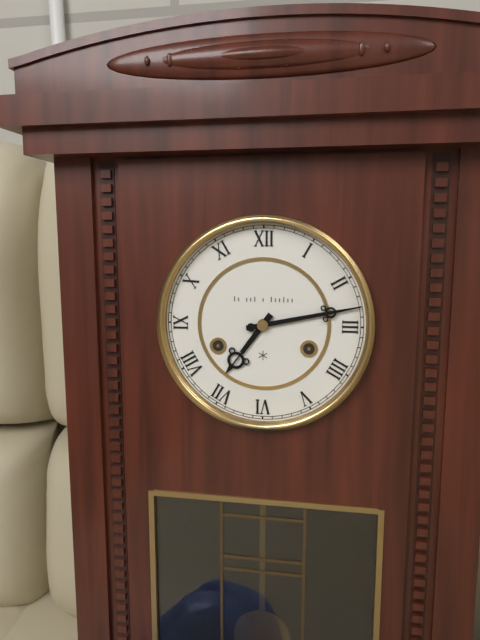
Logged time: {"hour": 7, "minute": 13}
